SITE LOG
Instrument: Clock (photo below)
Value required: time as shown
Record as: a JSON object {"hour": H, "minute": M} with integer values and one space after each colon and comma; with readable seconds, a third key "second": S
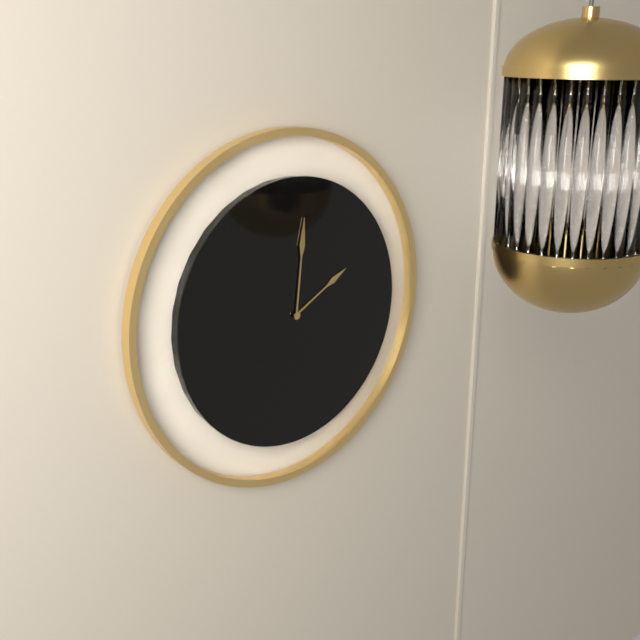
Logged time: {"hour": 2, "minute": 1}
